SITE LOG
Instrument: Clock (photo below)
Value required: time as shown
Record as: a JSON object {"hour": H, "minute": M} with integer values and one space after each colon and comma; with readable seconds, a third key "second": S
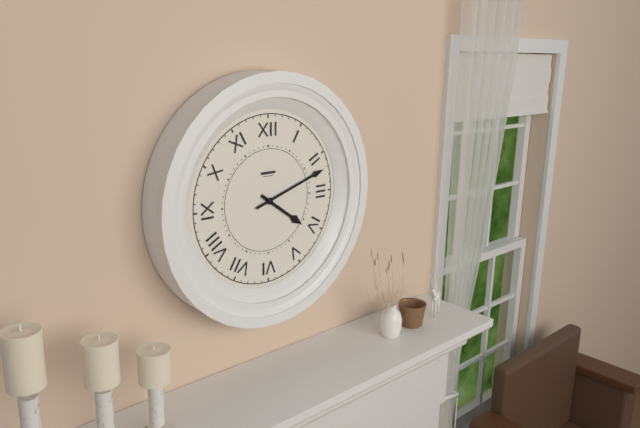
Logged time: {"hour": 4, "minute": 12}
